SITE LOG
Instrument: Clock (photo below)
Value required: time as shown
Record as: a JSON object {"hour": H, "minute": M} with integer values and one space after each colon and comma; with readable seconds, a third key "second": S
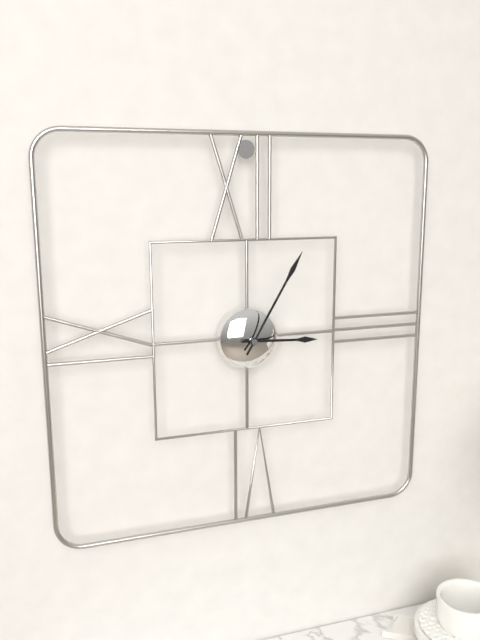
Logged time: {"hour": 3, "minute": 5}
